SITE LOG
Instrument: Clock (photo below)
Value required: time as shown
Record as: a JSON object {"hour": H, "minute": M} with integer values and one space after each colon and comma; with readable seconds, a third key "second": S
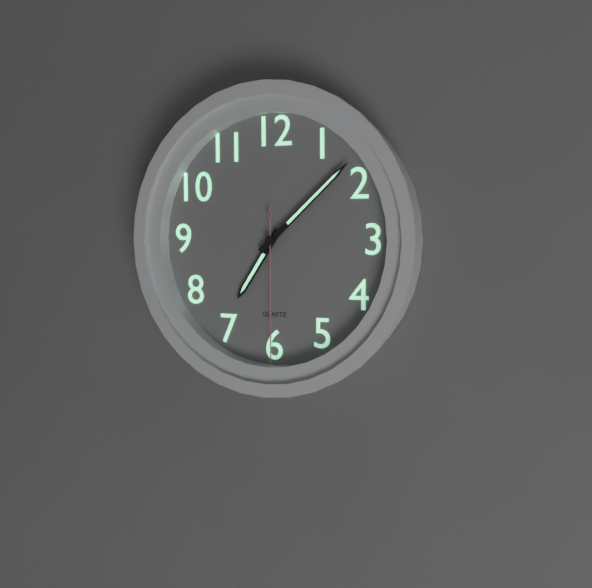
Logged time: {"hour": 7, "minute": 8, "second": 30}
